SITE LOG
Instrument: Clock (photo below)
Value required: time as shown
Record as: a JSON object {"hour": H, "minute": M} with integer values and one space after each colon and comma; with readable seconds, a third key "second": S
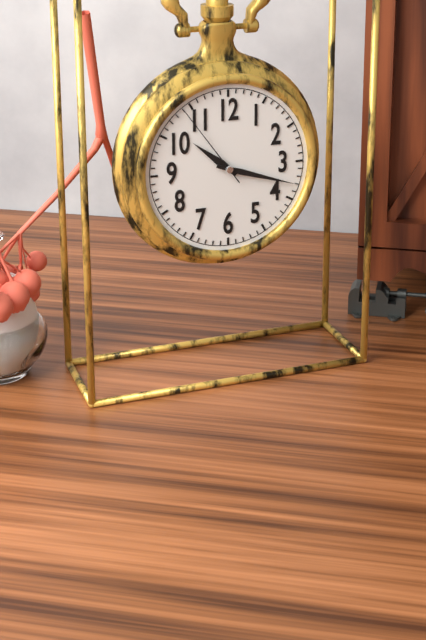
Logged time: {"hour": 10, "minute": 18, "second": 54}
